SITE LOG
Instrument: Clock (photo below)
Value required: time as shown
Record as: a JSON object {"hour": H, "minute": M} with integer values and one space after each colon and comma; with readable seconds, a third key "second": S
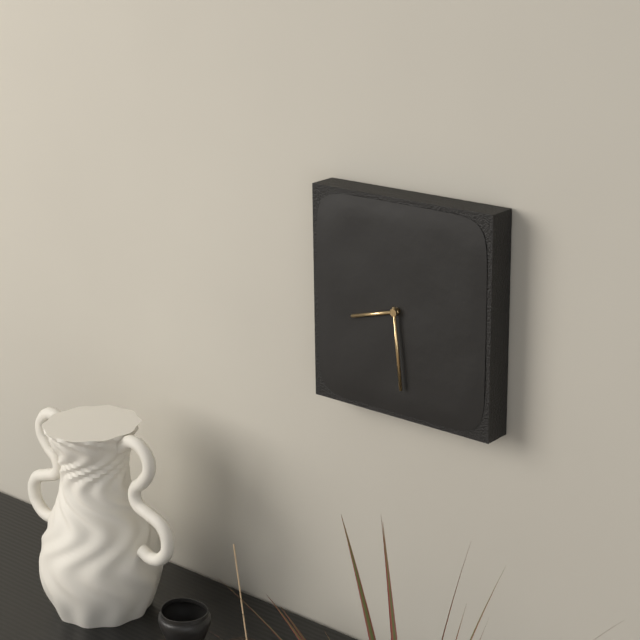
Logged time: {"hour": 8, "minute": 29}
